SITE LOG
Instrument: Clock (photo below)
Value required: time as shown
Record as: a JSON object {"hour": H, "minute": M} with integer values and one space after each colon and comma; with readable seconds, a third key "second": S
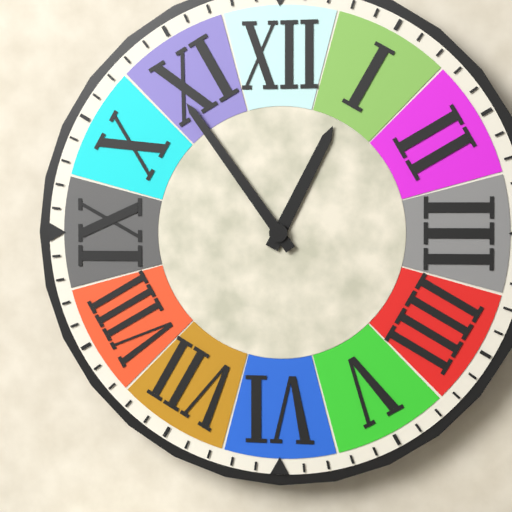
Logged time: {"hour": 12, "minute": 54}
